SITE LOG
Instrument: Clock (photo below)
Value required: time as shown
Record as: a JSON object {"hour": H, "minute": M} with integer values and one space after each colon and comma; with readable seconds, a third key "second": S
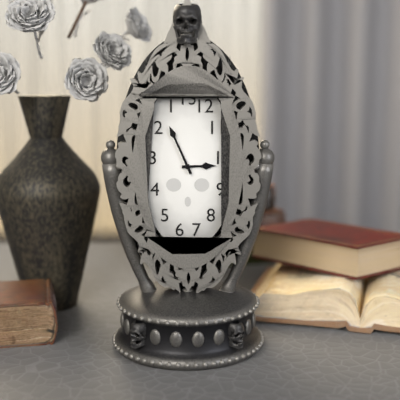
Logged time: {"hour": 2, "minute": 56}
